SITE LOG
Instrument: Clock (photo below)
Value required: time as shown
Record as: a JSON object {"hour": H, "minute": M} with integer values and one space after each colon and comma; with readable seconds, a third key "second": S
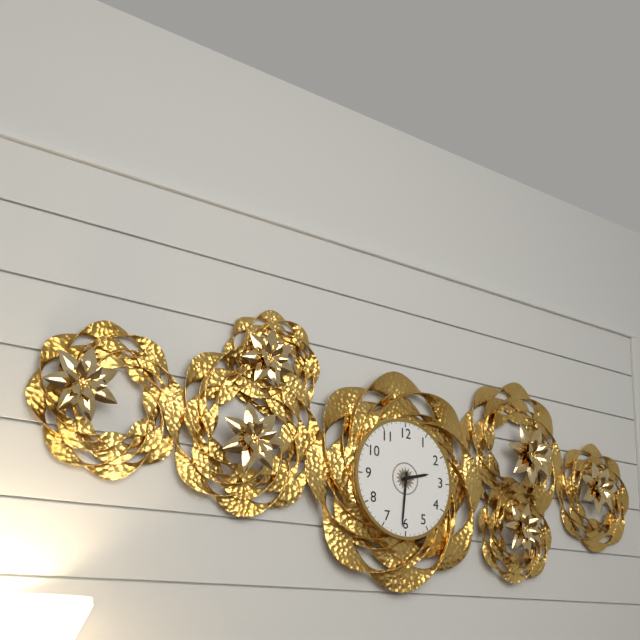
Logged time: {"hour": 2, "minute": 31}
